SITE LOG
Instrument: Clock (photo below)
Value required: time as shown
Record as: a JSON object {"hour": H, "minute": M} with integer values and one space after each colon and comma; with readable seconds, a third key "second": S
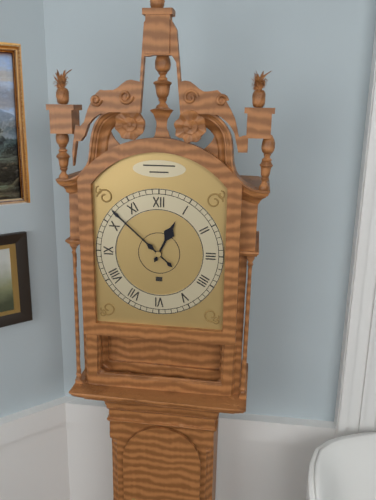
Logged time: {"hour": 12, "minute": 52}
